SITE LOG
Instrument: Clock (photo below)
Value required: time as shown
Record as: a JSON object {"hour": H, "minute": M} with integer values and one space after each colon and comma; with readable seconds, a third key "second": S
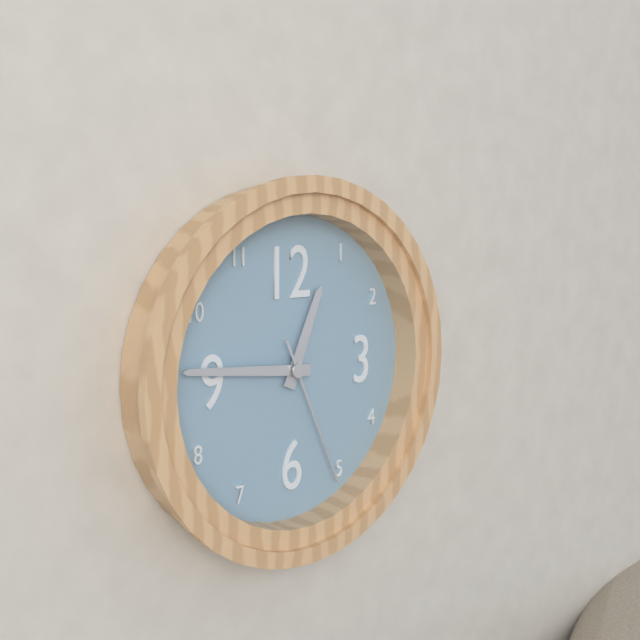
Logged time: {"hour": 12, "minute": 46, "second": 26}
